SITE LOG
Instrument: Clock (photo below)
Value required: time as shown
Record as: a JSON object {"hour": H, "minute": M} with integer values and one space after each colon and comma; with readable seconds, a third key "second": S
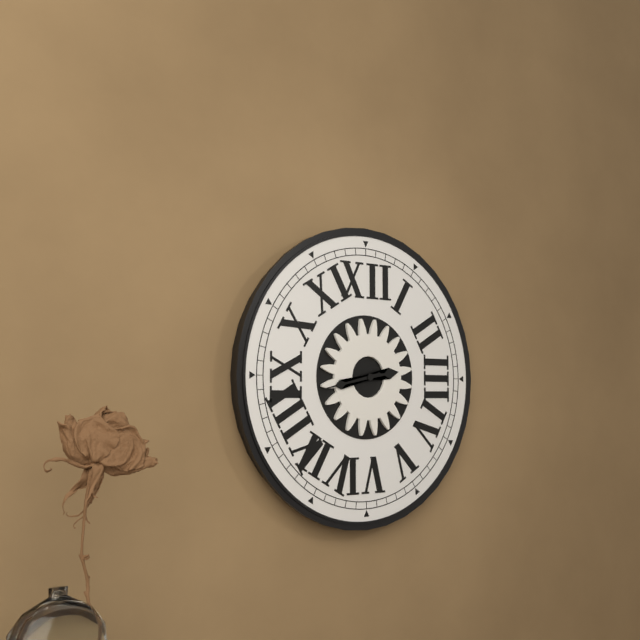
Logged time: {"hour": 2, "minute": 43}
